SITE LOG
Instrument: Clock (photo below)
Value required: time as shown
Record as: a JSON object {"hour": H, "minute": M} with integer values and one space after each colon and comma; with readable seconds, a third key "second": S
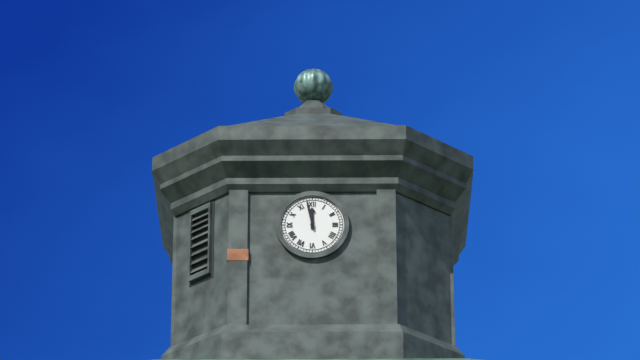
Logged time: {"hour": 11, "minute": 58}
